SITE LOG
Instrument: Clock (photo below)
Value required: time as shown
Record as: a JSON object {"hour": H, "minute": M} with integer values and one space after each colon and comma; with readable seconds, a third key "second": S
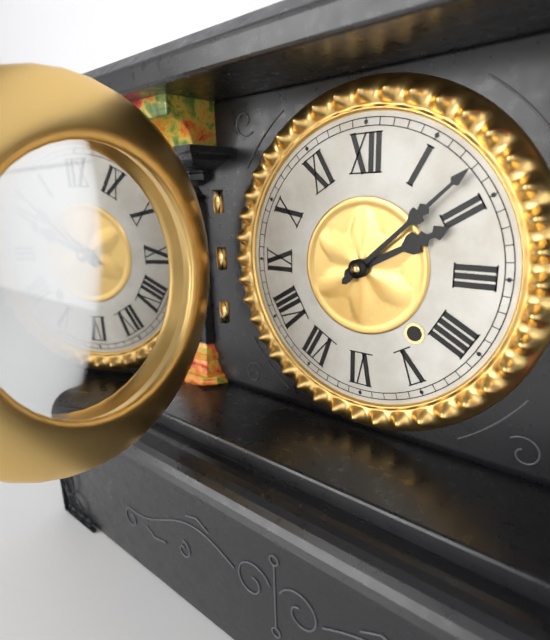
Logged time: {"hour": 2, "minute": 8}
